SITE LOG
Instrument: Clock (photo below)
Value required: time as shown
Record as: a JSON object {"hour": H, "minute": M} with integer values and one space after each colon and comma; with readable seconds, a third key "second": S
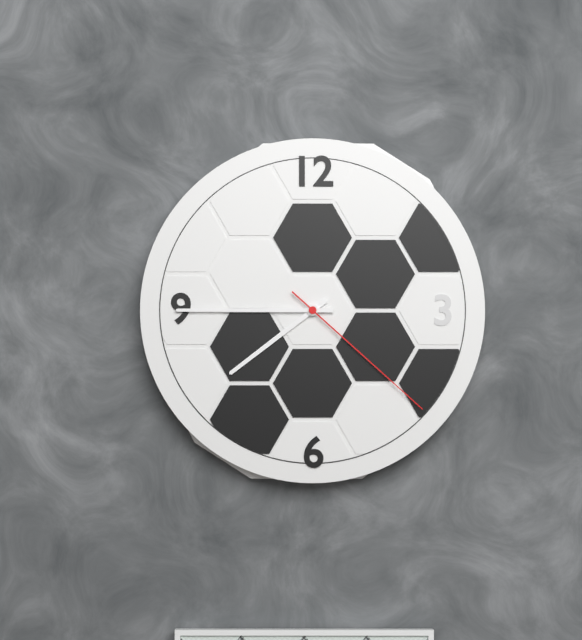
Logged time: {"hour": 7, "minute": 45, "second": 22}
